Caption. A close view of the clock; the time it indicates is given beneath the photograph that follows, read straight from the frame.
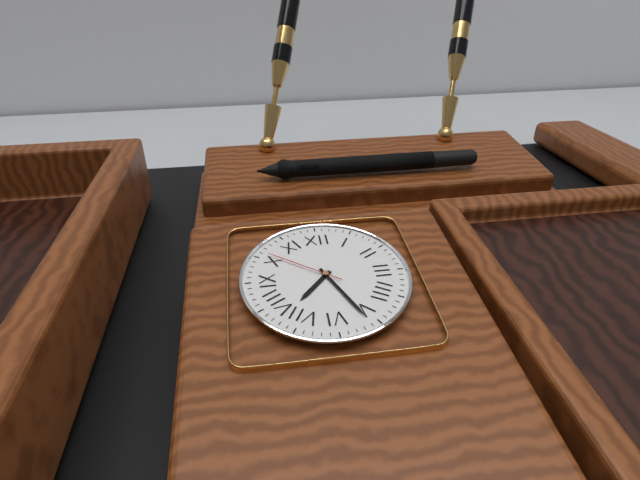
7:26:51
